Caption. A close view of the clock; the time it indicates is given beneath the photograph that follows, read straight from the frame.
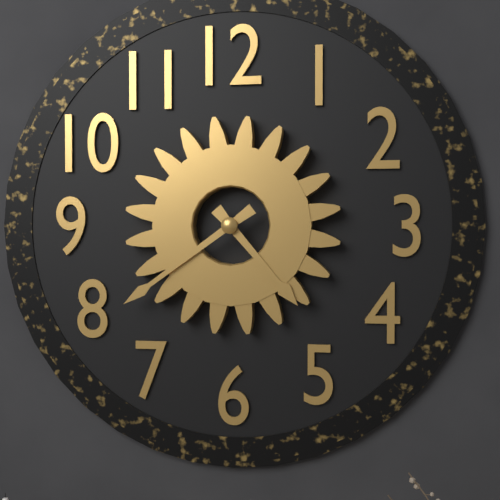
4:39
